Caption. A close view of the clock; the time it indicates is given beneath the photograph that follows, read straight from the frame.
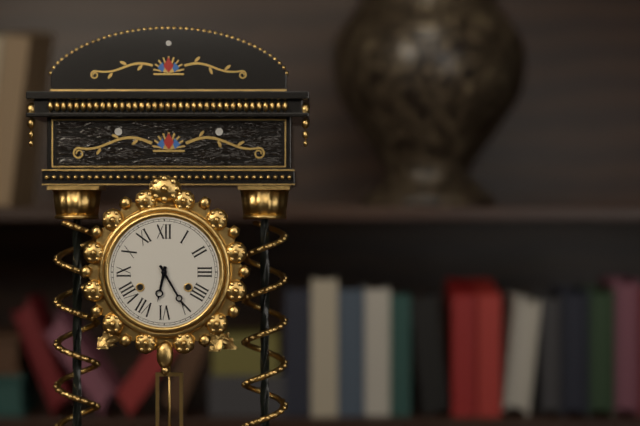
6:25
